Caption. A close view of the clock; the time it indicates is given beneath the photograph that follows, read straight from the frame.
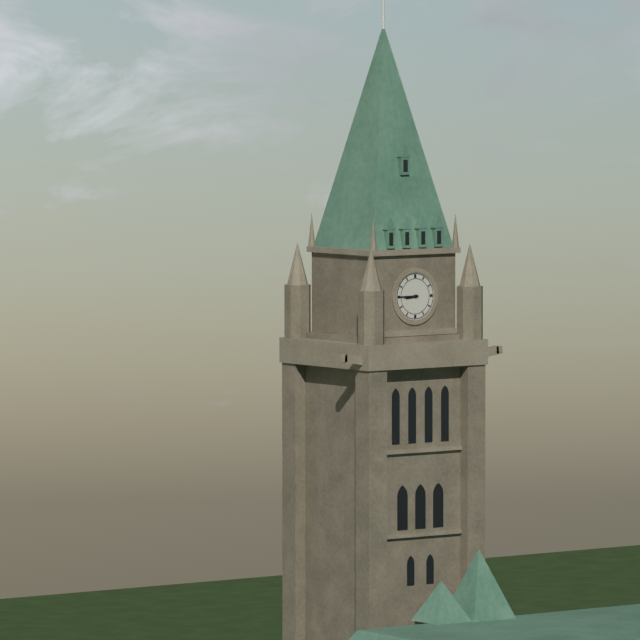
8:45
